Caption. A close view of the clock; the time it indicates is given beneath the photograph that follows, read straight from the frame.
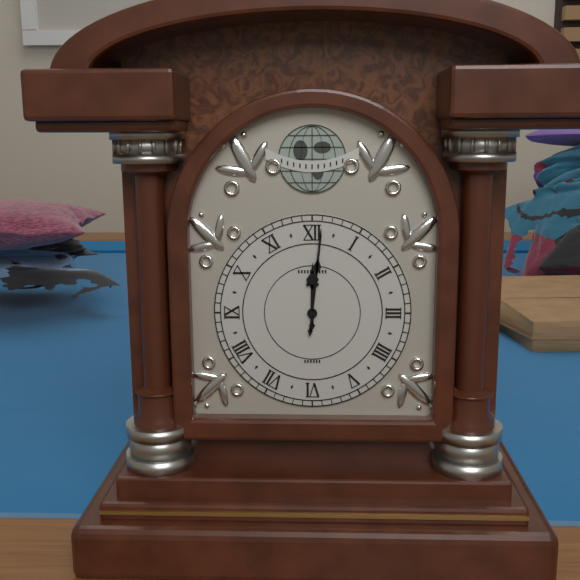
12:01
